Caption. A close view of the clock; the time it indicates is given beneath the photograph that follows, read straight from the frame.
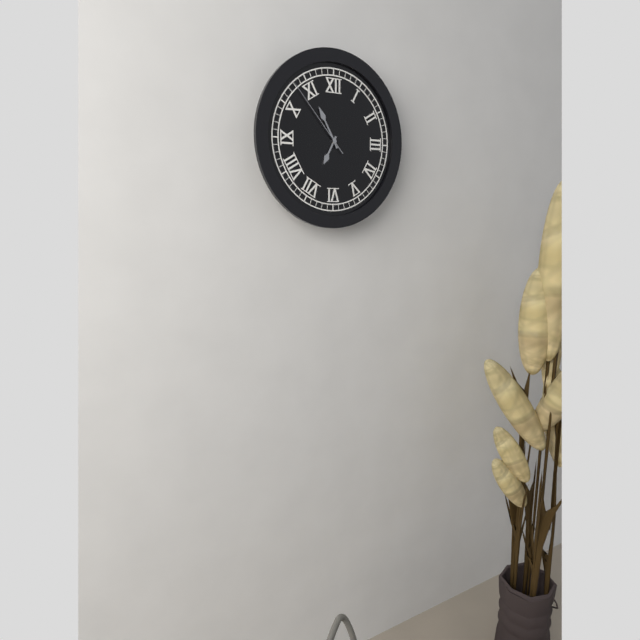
6:55:53
